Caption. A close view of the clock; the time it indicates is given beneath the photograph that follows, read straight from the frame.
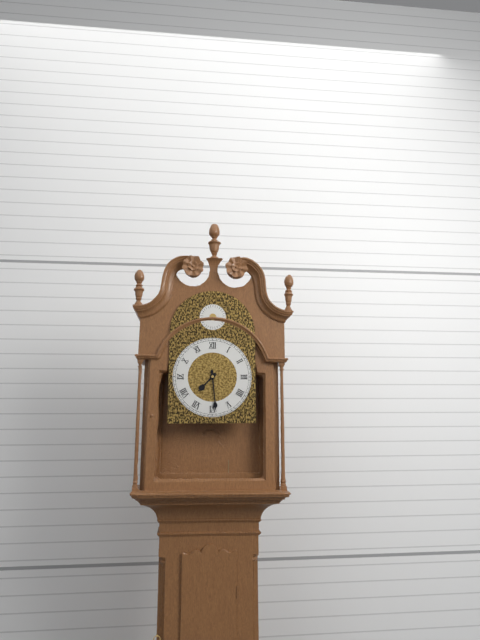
7:29
